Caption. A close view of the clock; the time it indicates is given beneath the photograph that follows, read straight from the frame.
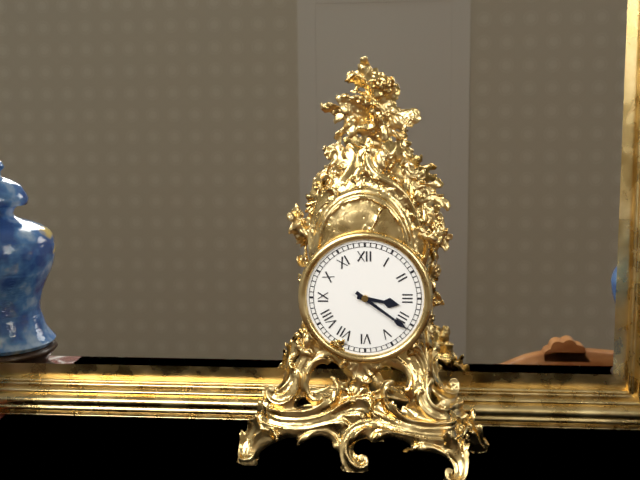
3:21
